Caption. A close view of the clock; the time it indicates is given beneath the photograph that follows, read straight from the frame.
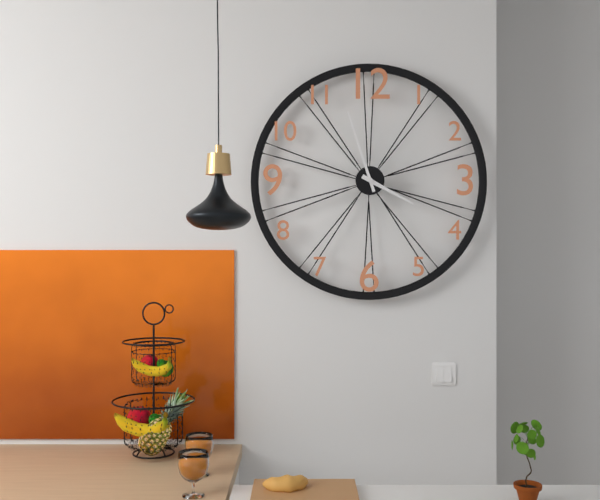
3:57
